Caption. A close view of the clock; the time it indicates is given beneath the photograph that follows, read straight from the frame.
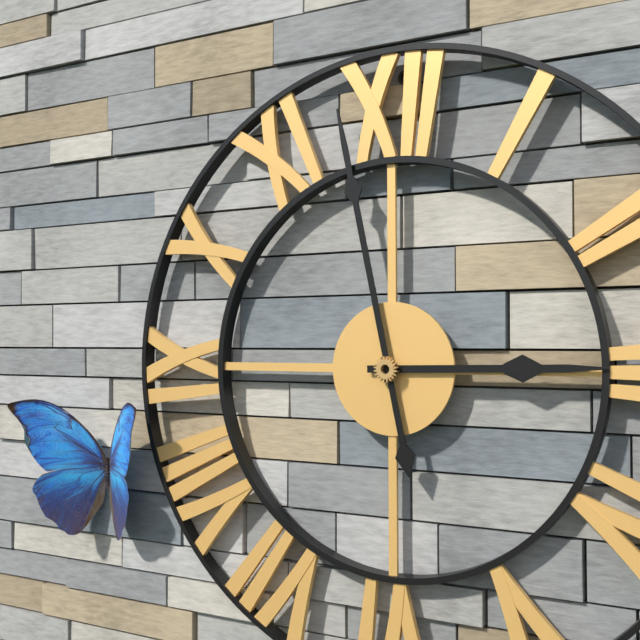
2:58
